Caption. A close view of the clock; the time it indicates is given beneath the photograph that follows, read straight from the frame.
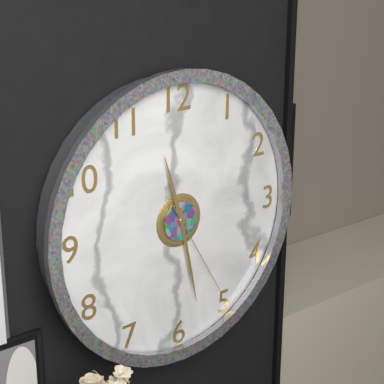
11:28:25
